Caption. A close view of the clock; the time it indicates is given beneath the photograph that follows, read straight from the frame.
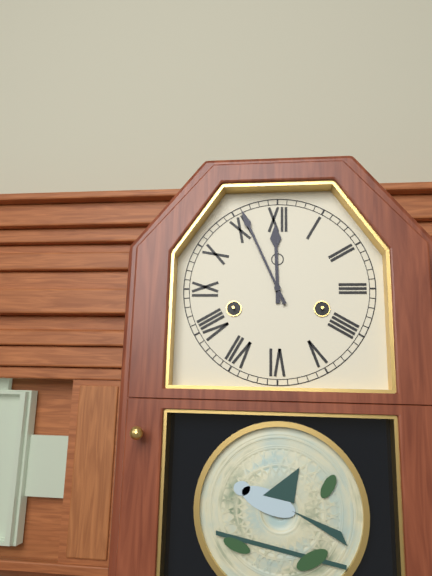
11:56
